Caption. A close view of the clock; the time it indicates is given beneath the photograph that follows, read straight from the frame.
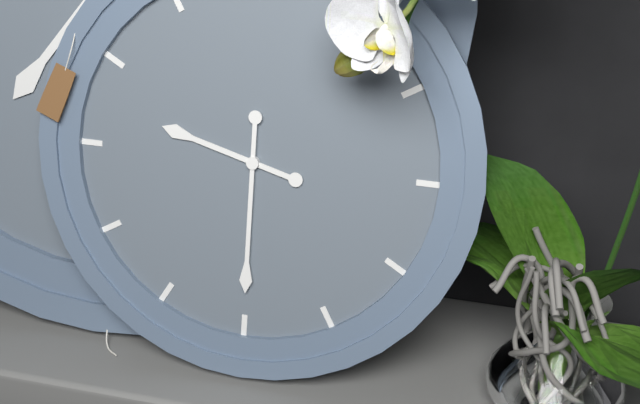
9:30
